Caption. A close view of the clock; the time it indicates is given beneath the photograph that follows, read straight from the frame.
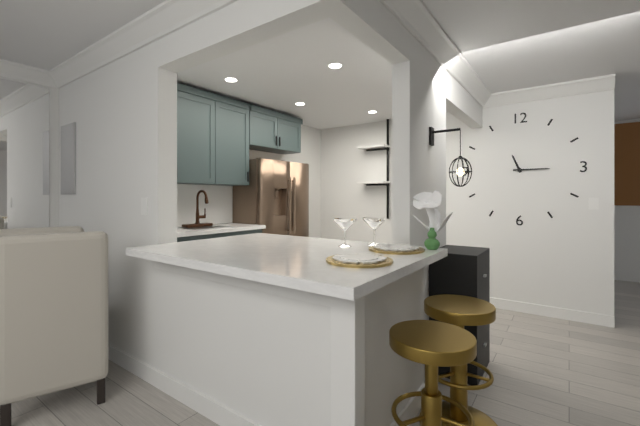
11:15
